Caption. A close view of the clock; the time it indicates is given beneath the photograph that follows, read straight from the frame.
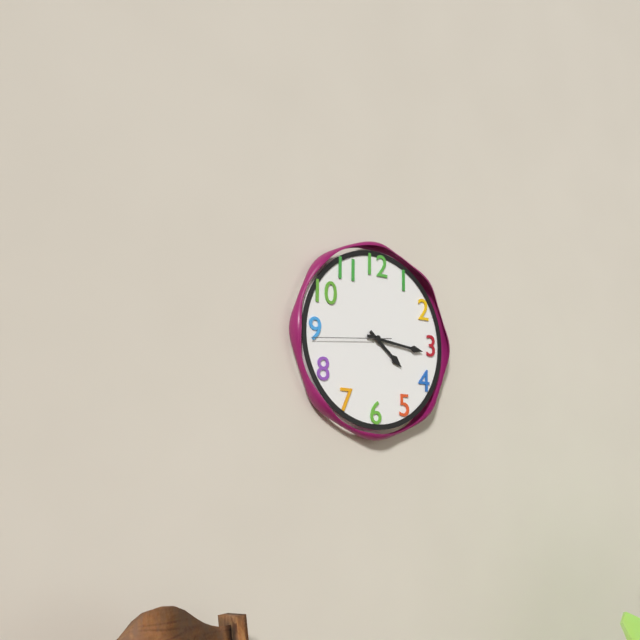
4:16:44
